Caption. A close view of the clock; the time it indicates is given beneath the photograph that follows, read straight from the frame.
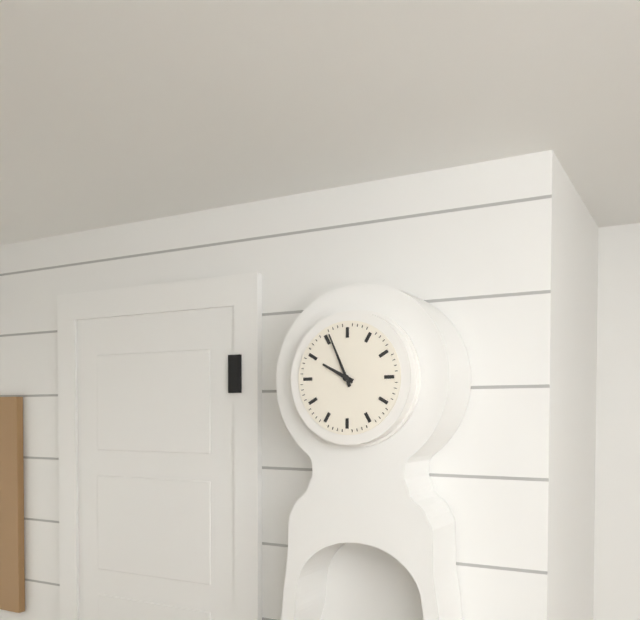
9:56
